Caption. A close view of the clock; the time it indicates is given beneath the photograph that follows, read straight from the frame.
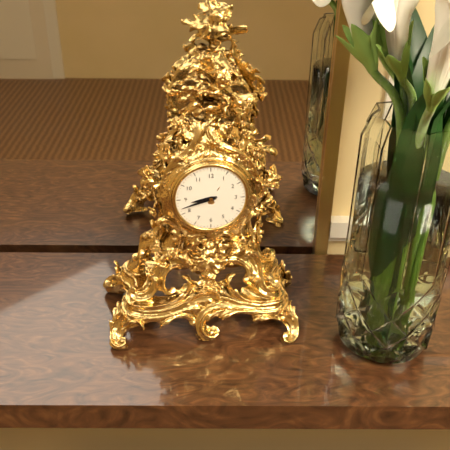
8:42
